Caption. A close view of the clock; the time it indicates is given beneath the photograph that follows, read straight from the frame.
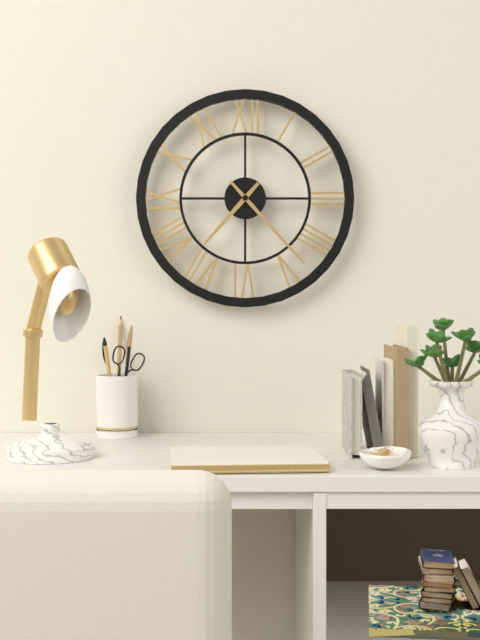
7:23
